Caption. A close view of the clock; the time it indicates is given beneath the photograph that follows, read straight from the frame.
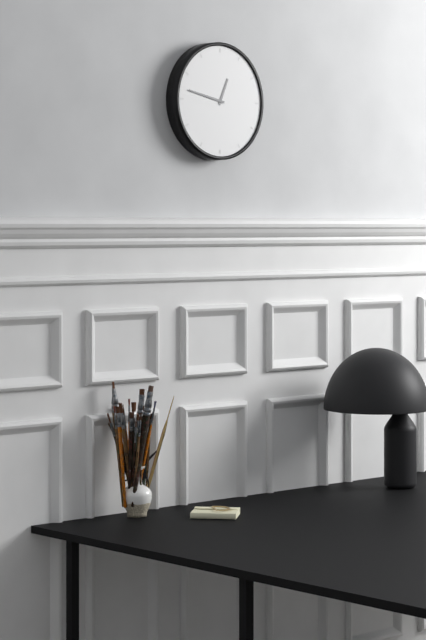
12:47
